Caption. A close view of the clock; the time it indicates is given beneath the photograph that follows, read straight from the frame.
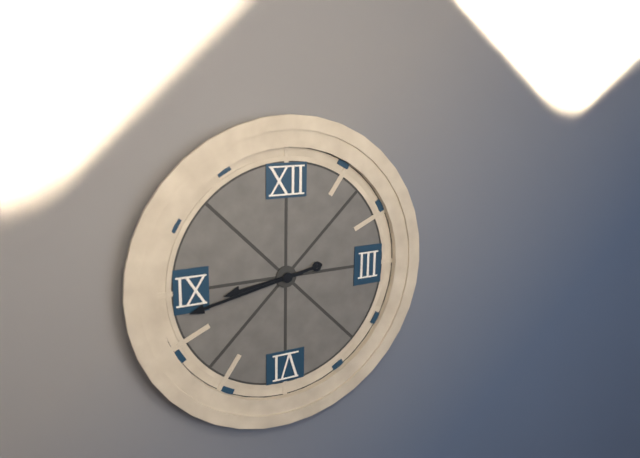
8:43
